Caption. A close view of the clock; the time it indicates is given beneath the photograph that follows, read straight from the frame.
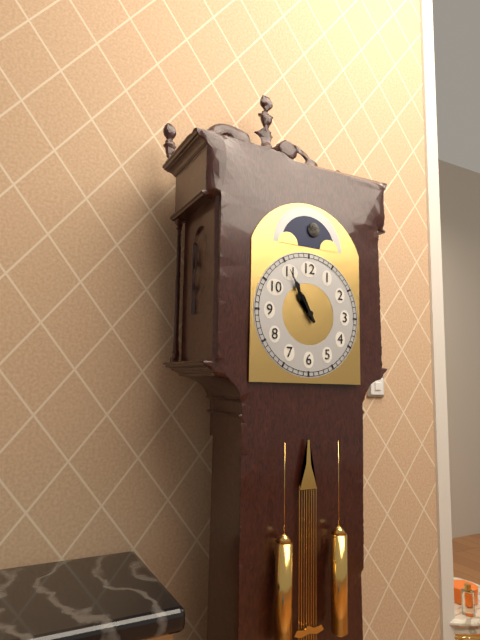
10:55
